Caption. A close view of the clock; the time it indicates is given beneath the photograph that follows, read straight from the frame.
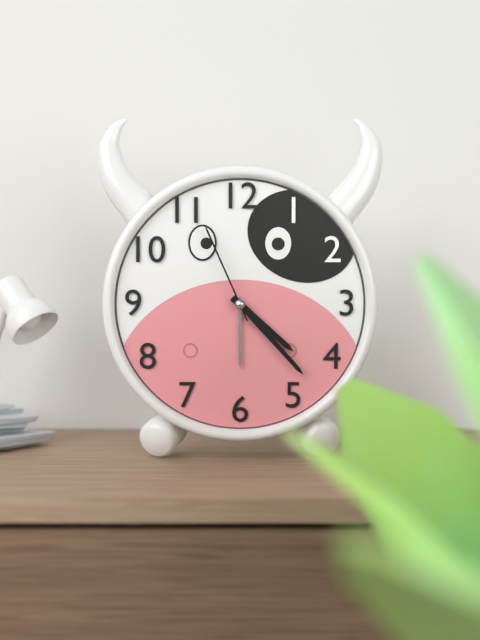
4:23:56
